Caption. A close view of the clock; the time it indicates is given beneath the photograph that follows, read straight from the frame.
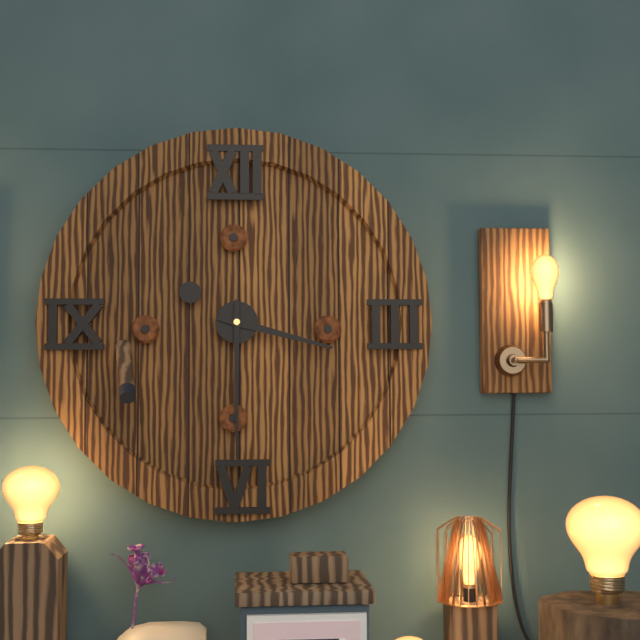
3:30
